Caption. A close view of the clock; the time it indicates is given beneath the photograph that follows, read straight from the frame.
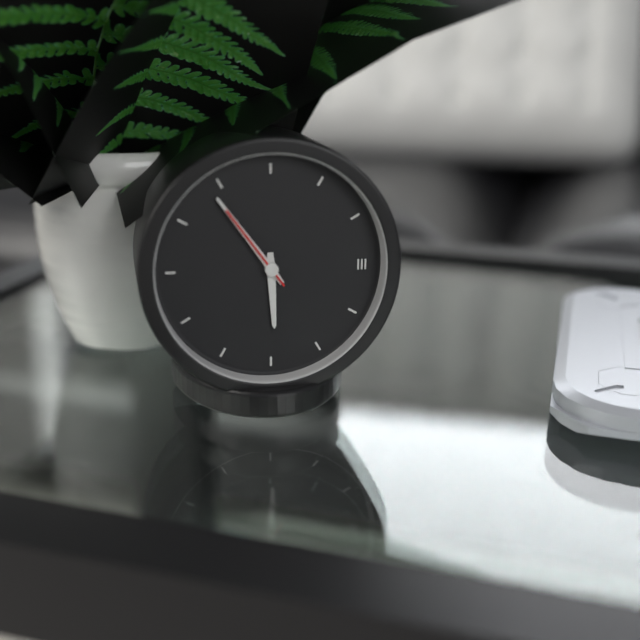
5:54:54
